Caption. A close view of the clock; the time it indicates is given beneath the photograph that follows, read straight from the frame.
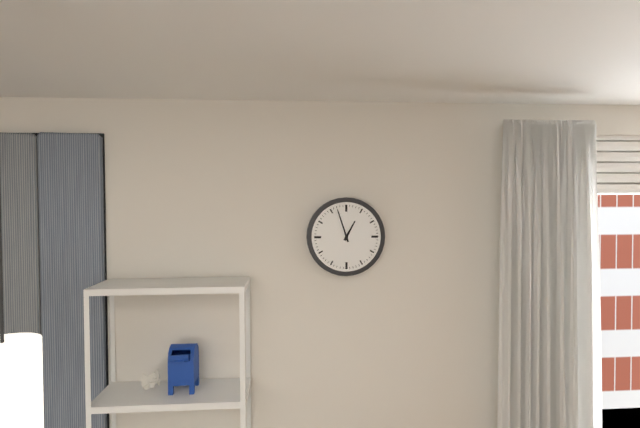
12:57
